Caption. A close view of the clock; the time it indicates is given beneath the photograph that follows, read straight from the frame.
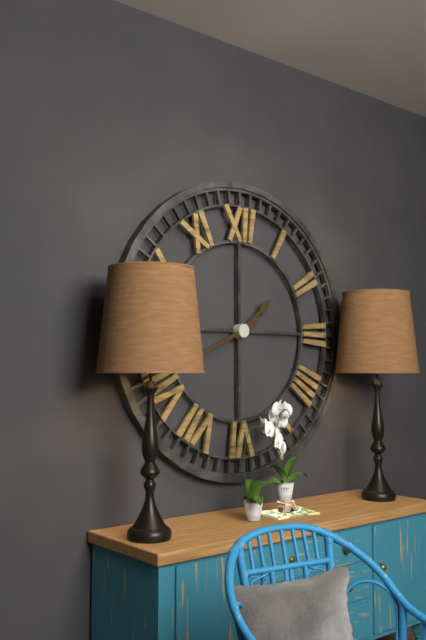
1:41
